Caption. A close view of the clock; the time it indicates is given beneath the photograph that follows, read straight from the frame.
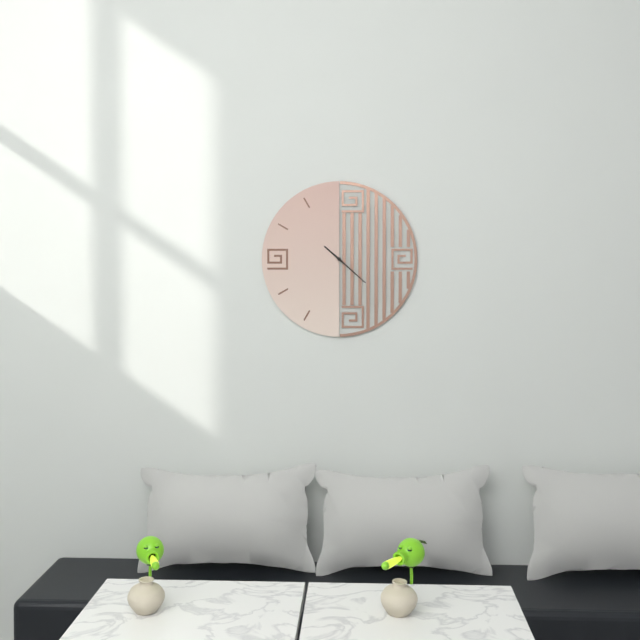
10:22
